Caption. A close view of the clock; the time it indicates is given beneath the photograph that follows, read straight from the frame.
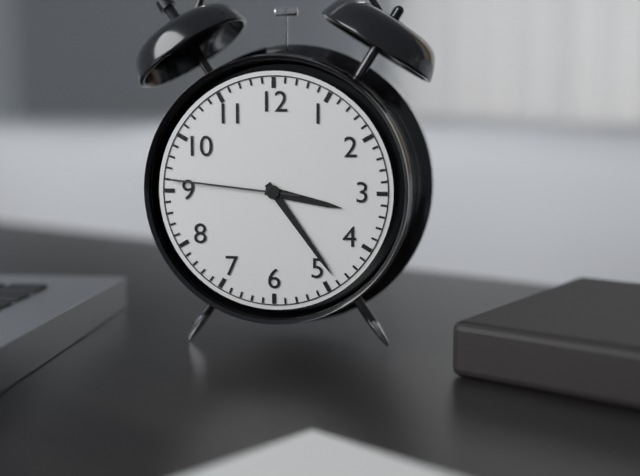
3:24:46
